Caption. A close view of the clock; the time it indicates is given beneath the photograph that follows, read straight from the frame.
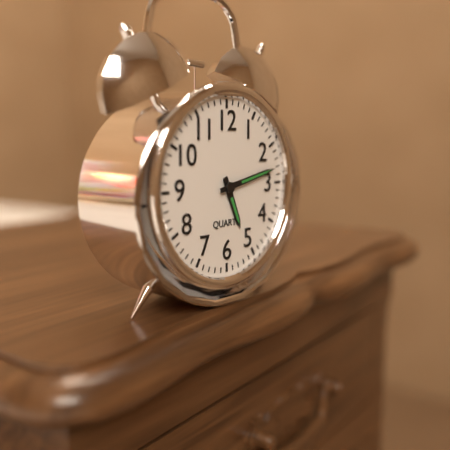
5:13
